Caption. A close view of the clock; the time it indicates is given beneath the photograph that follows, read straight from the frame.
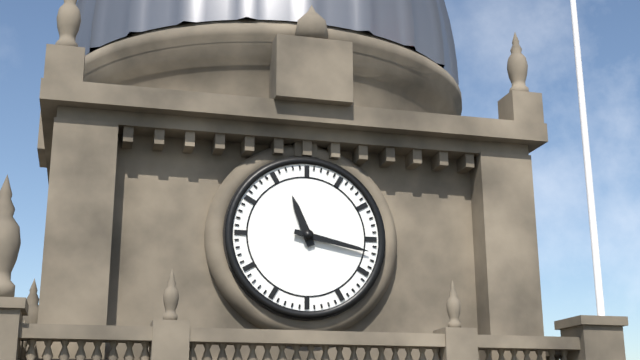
11:17
